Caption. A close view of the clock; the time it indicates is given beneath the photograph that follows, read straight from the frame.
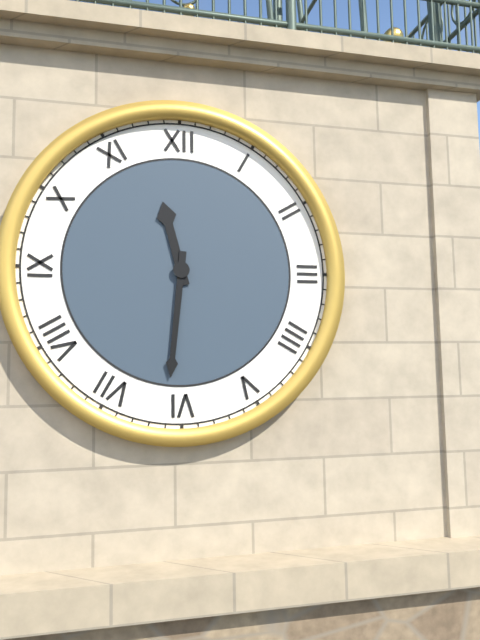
11:31
